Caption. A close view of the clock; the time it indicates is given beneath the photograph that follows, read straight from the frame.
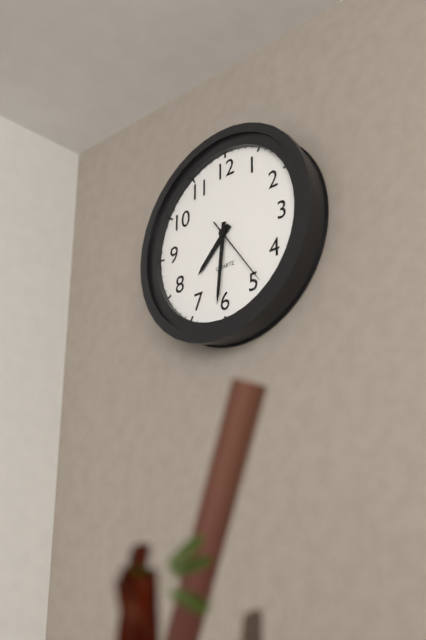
7:31:24
